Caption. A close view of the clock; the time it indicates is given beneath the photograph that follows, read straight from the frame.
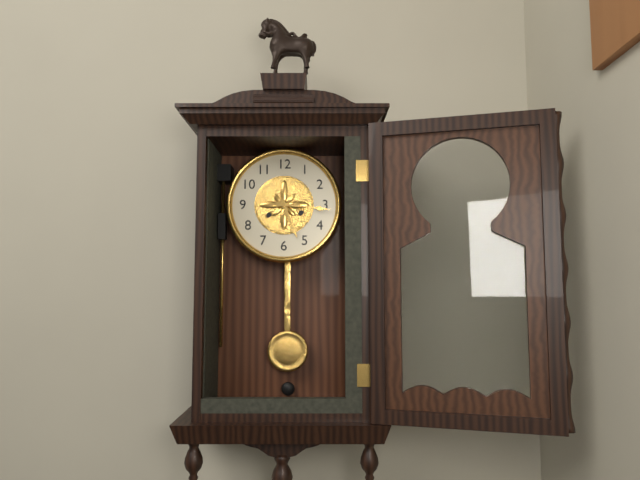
5:16
